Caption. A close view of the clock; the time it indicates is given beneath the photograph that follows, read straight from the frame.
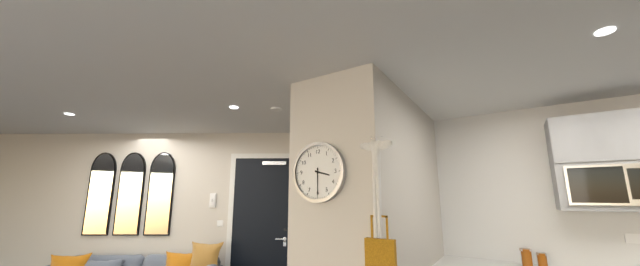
3:30
